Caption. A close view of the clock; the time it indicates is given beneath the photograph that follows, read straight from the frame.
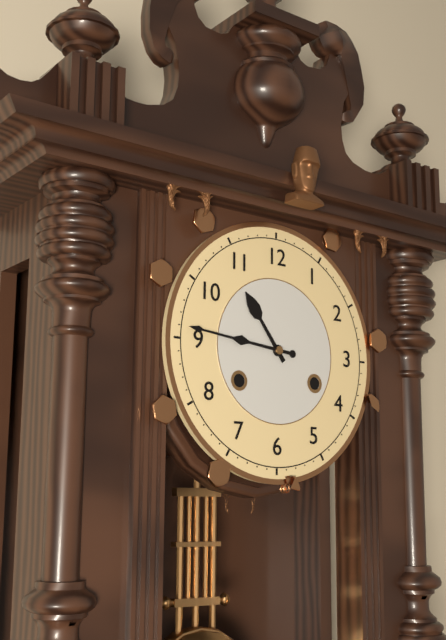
10:46
